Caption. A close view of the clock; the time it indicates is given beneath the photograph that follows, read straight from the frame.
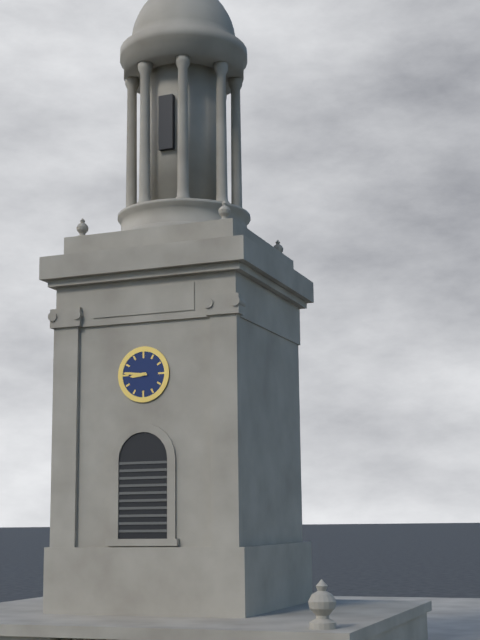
8:46
